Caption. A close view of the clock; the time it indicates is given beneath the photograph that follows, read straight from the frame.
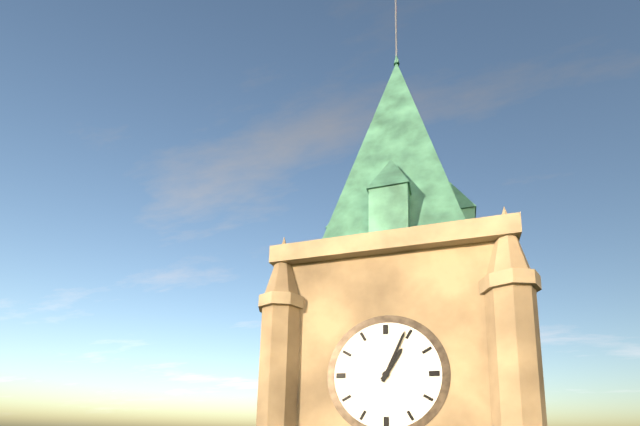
1:04
